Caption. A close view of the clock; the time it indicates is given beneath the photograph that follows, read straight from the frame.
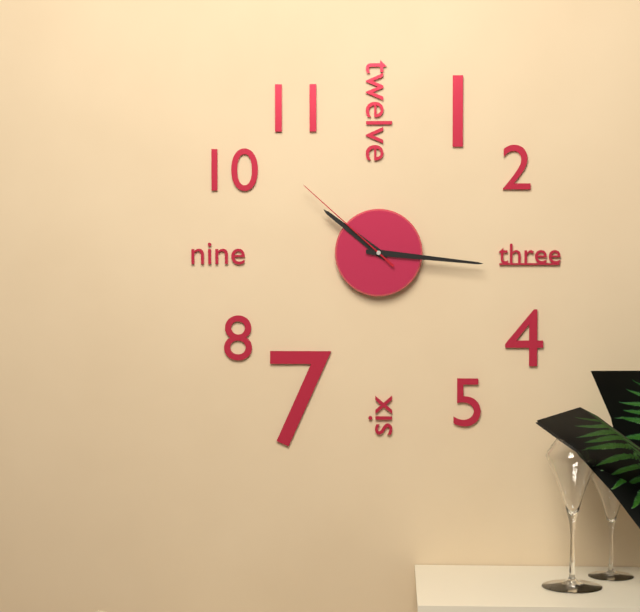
10:16:52
